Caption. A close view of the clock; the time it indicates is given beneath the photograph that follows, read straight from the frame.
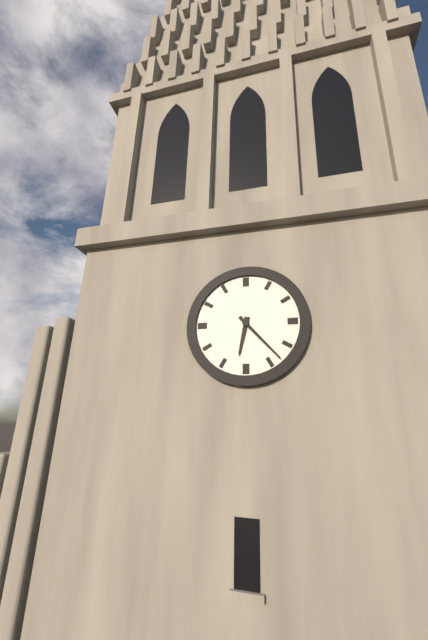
6:23
